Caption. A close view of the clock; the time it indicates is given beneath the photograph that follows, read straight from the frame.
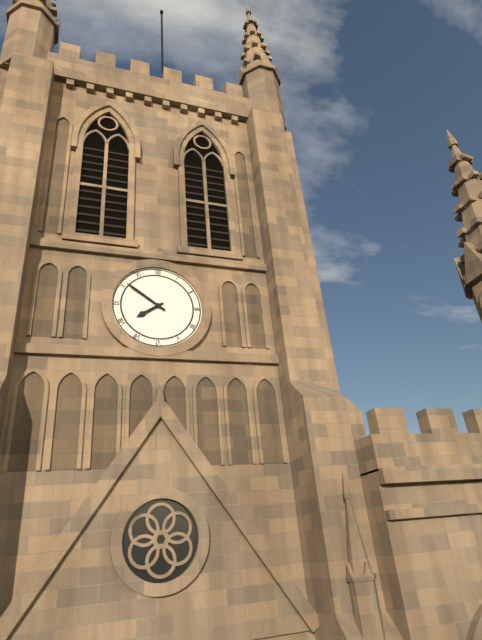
7:51
